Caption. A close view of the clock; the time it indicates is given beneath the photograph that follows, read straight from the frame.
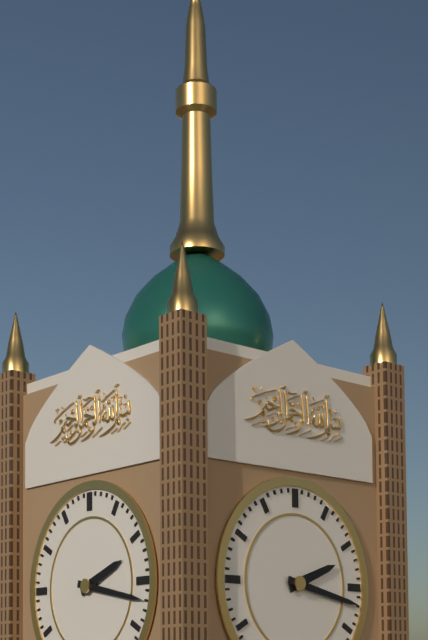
2:17
